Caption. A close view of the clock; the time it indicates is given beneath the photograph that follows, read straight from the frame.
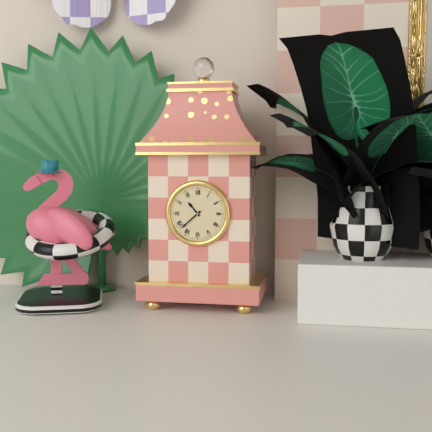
10:38
